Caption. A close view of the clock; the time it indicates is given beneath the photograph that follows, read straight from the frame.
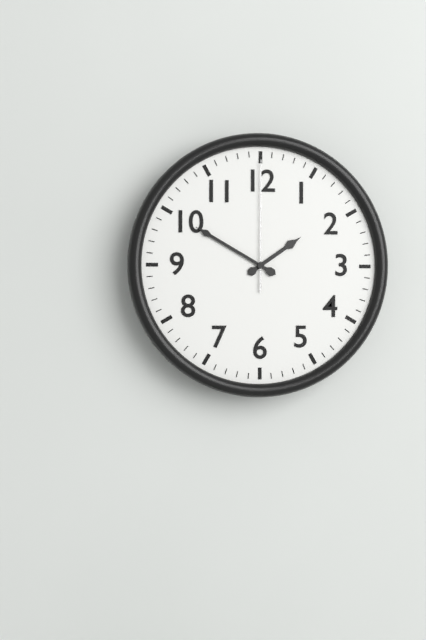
1:50:00
